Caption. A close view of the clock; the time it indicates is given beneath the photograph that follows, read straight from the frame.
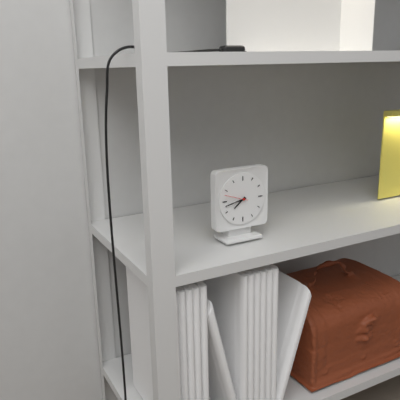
7:43
